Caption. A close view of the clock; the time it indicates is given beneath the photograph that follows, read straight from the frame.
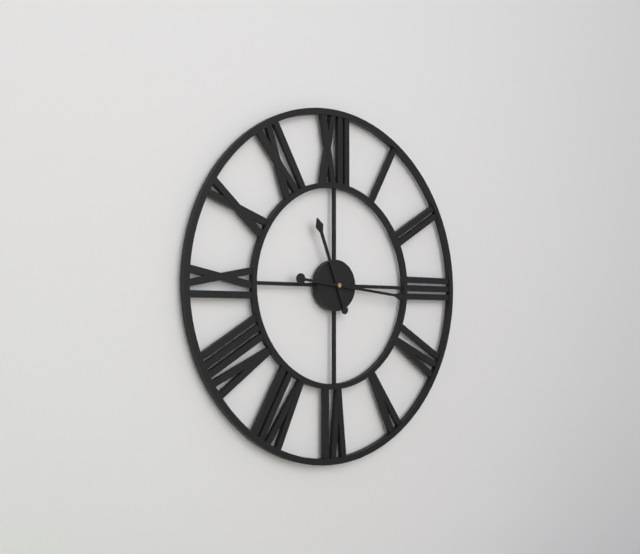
11:16
